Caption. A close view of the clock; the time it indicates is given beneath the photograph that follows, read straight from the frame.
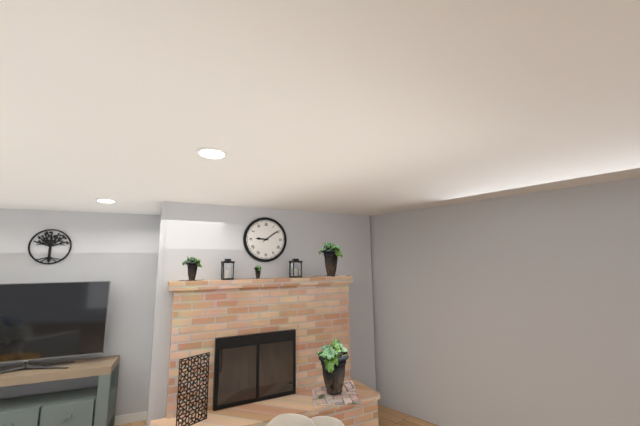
9:09
